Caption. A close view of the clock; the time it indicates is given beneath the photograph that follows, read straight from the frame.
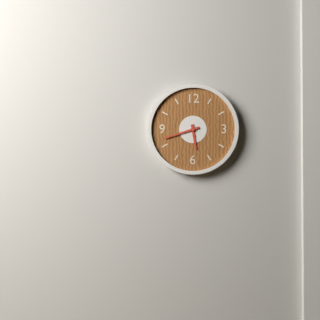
5:42
